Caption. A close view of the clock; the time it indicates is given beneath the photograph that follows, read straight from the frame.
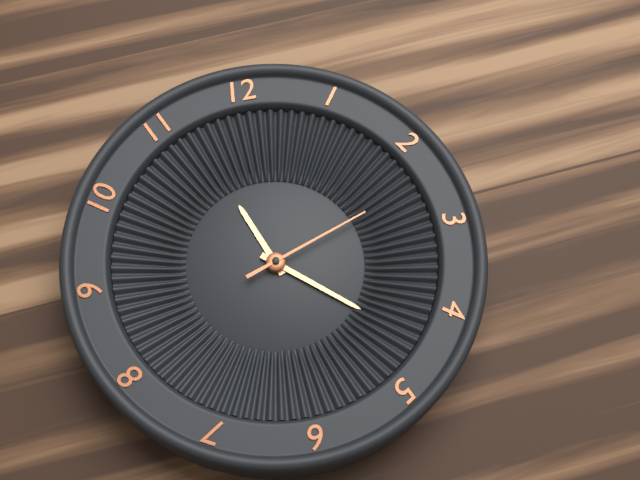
11:22:12
